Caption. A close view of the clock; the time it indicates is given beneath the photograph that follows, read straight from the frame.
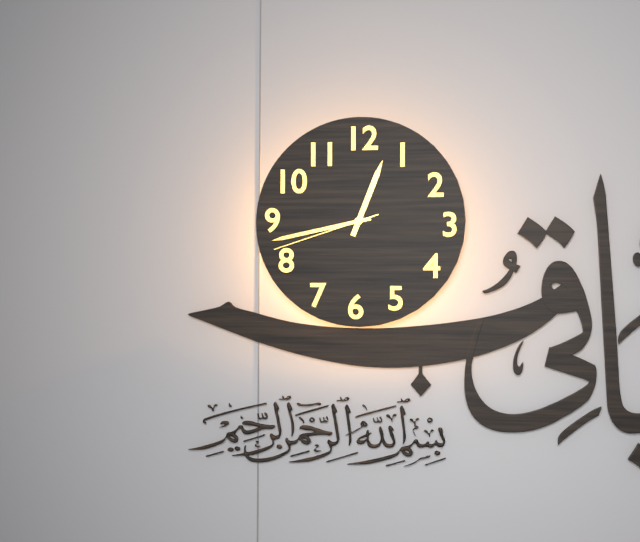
12:43:42
